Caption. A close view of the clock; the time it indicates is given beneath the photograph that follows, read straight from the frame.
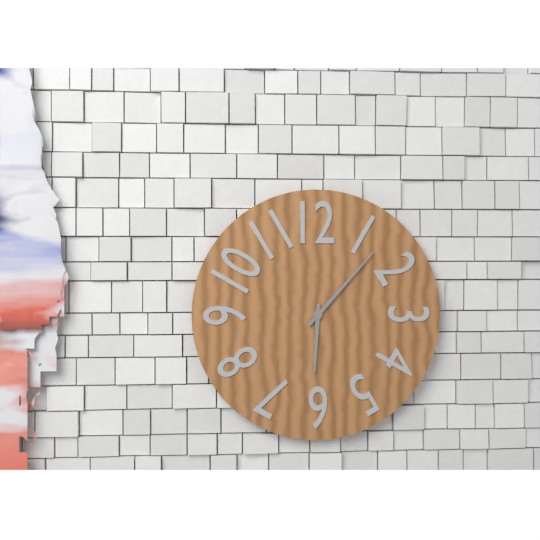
6:07
